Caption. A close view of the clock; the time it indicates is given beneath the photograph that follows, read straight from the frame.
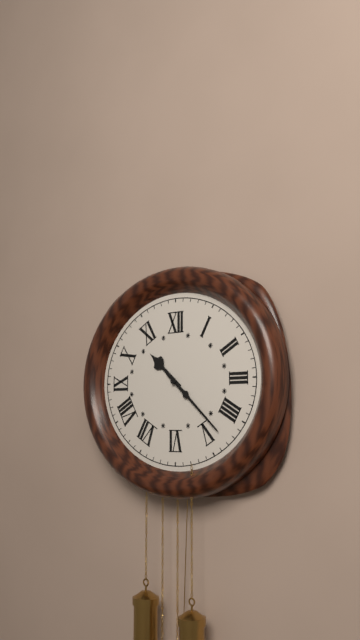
10:22
